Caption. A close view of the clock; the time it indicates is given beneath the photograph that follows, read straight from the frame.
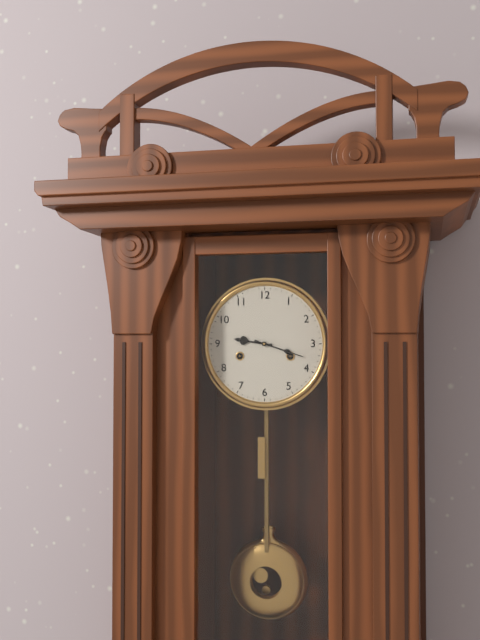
9:18
